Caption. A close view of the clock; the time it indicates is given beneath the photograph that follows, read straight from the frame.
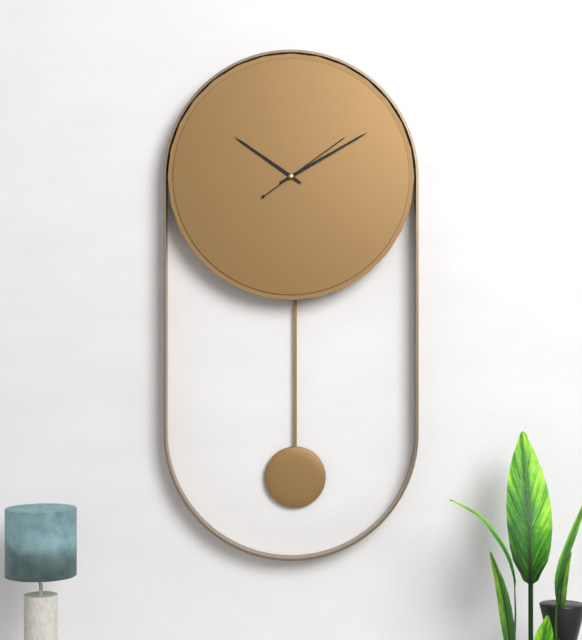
10:10:09
